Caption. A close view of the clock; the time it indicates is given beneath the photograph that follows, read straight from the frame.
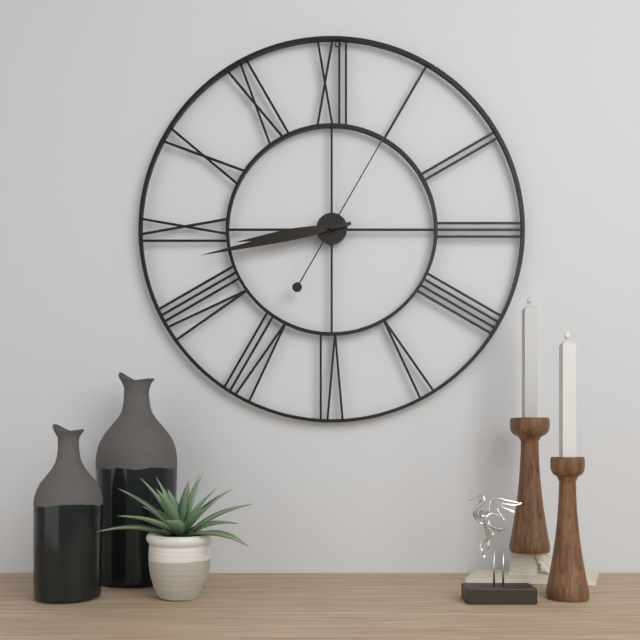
8:43:05
